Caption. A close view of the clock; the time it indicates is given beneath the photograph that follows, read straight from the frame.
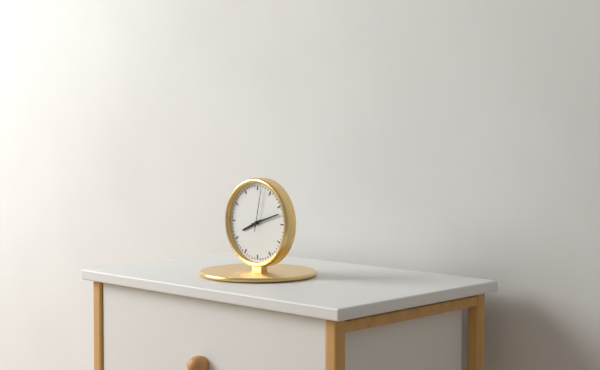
8:12
